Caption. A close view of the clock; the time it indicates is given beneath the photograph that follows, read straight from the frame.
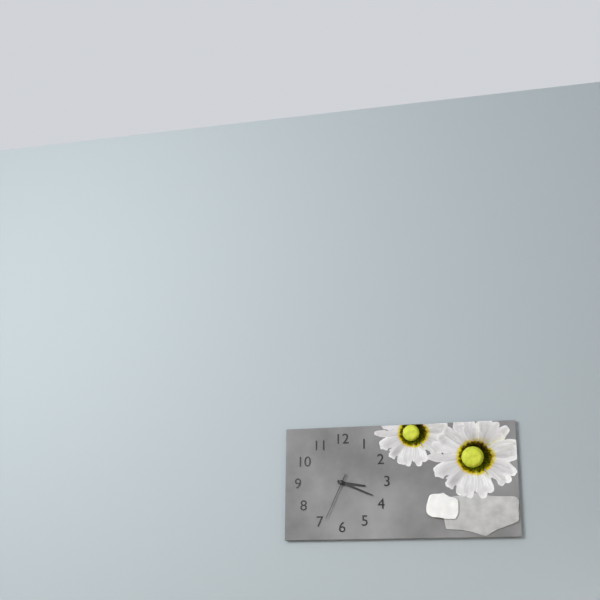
3:19
